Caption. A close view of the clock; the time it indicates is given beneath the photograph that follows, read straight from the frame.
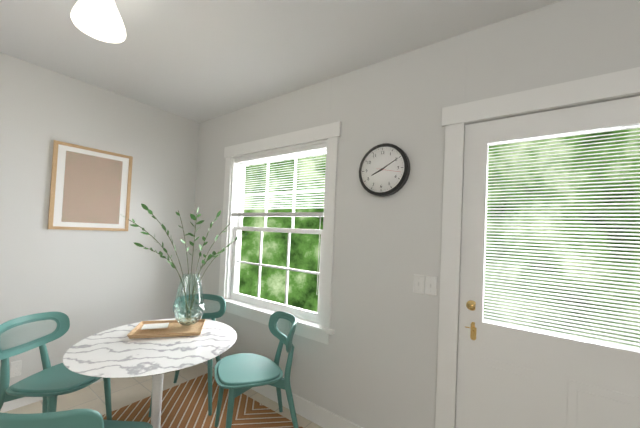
8:10
